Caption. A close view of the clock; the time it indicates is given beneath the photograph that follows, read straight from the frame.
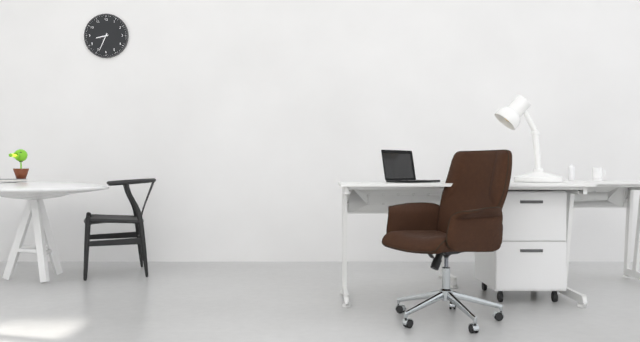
8:34
